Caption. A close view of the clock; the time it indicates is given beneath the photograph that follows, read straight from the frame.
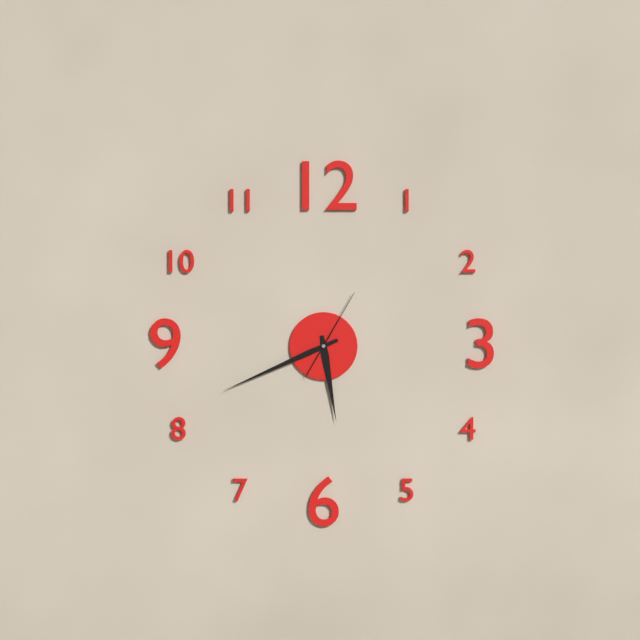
5:41:05
